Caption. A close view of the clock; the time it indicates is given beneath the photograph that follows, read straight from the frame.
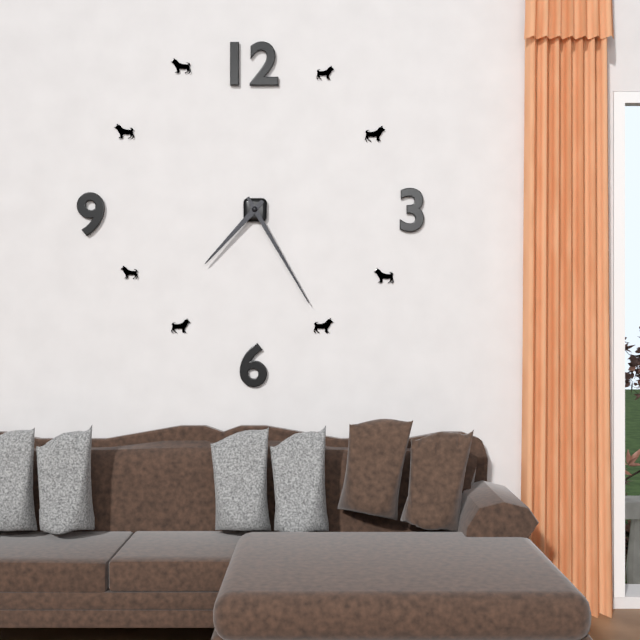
7:25
